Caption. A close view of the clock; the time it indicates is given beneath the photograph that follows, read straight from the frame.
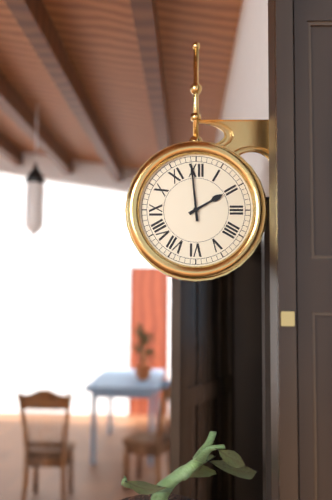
1:59
